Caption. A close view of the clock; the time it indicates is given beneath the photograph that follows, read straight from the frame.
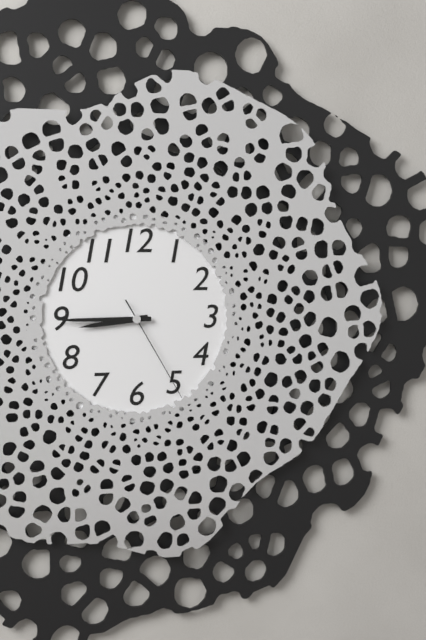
8:45:25
